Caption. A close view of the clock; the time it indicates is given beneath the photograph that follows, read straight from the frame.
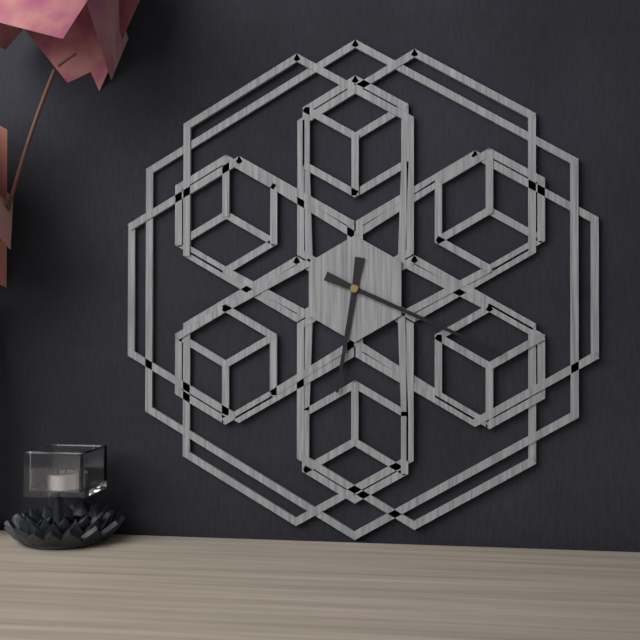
6:19
